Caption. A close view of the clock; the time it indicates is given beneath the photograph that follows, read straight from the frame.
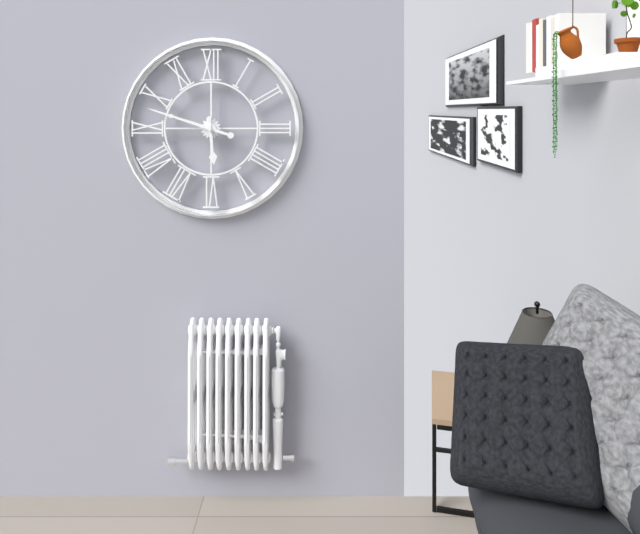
5:48
